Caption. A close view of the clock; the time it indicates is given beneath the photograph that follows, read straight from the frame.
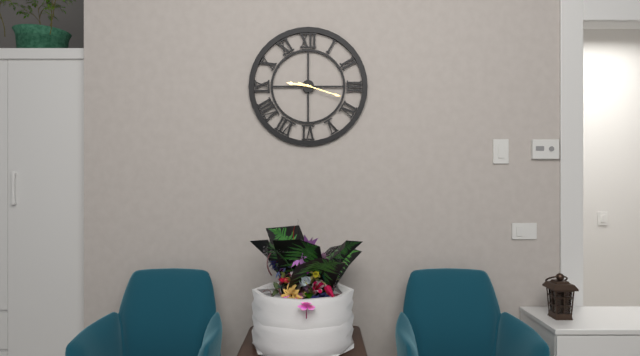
9:18
